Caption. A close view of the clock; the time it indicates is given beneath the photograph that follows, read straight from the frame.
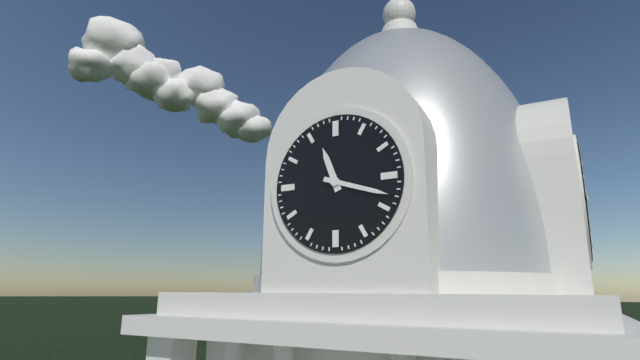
11:18
